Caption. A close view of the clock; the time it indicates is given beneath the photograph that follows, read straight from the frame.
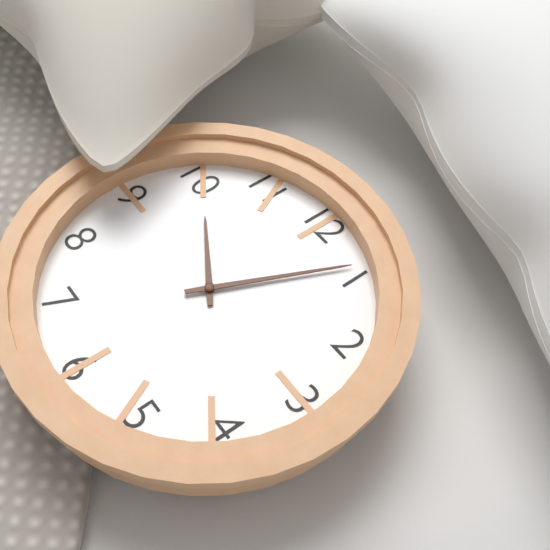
10:04
